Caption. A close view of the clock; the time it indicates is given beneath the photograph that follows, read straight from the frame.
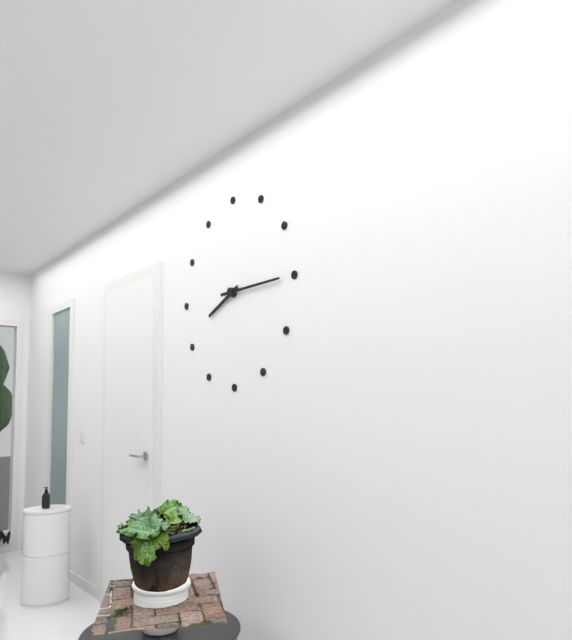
8:15
